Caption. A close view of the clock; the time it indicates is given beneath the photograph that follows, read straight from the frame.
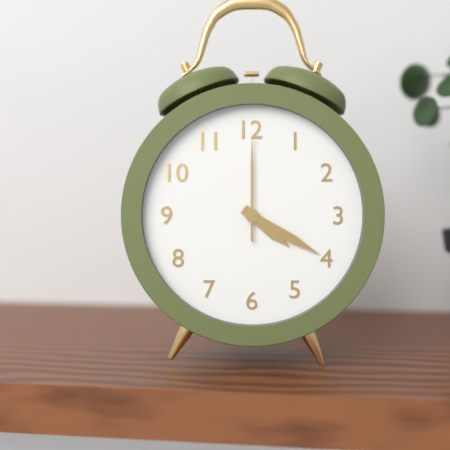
4:20:00
